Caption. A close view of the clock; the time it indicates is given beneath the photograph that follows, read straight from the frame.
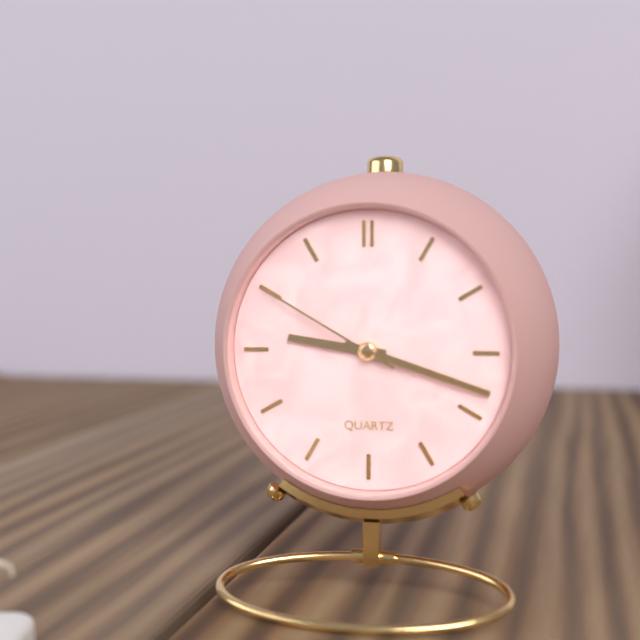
9:18:50
